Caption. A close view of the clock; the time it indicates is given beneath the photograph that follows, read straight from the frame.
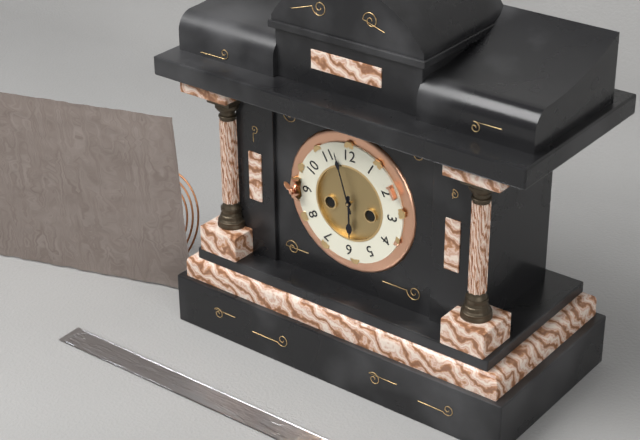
5:57
